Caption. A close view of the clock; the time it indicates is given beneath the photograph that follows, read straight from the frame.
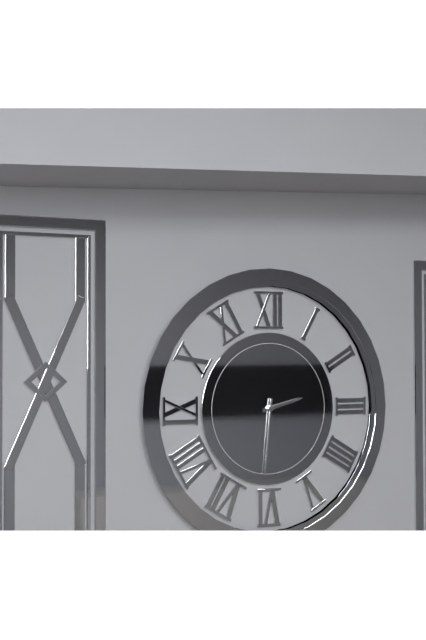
2:31
